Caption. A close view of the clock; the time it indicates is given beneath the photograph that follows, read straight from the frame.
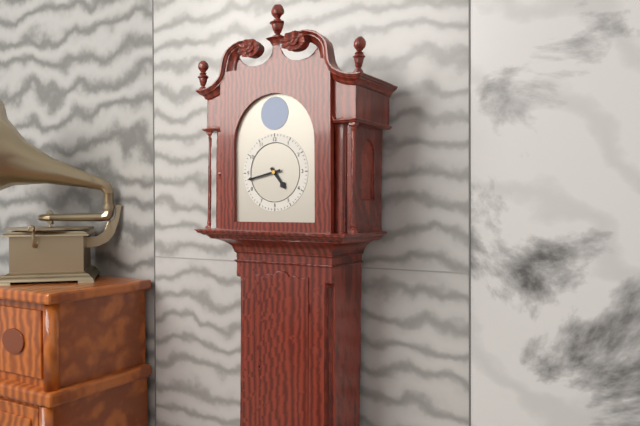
4:43
